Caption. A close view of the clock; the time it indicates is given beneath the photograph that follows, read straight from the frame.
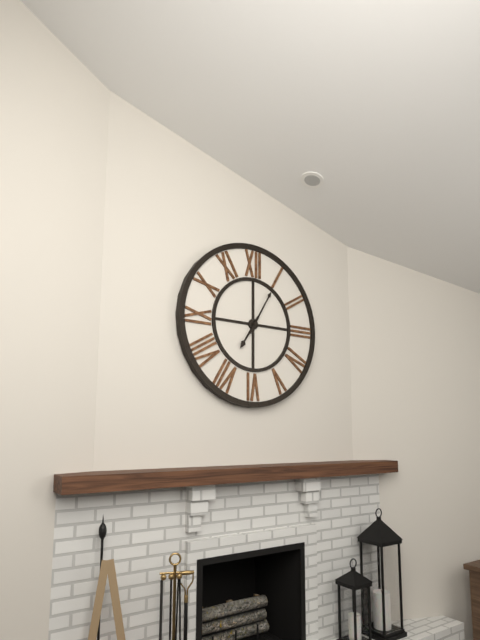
7:05
